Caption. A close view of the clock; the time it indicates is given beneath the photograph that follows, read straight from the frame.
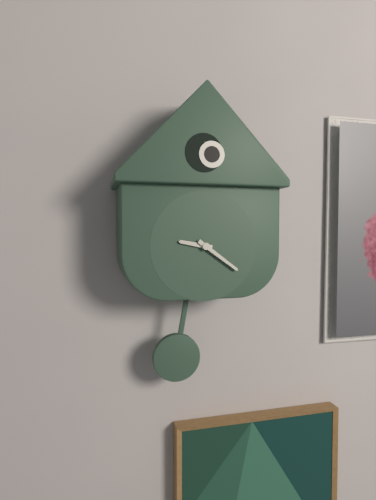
9:21
